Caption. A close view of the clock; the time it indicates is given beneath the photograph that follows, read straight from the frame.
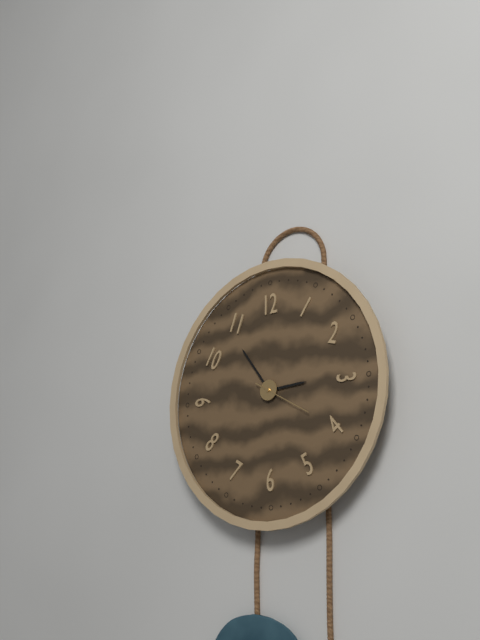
2:54:20
